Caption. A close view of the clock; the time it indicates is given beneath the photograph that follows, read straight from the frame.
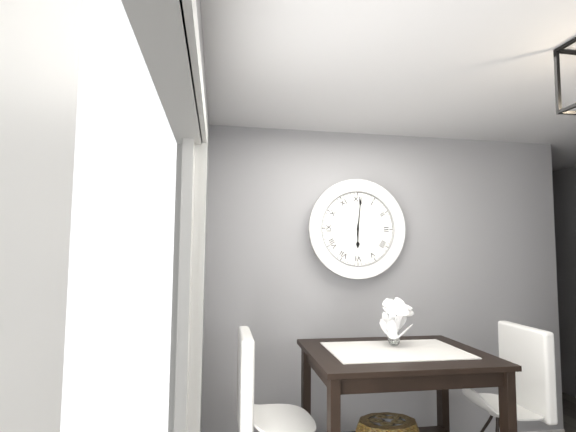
6:01
